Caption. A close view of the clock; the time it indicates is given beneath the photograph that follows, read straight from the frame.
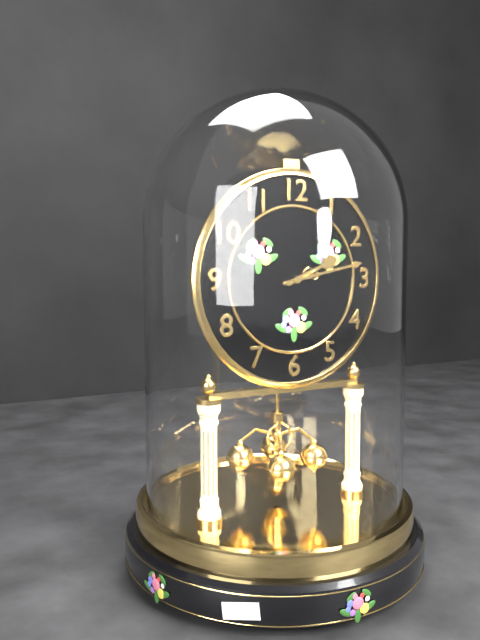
2:13
